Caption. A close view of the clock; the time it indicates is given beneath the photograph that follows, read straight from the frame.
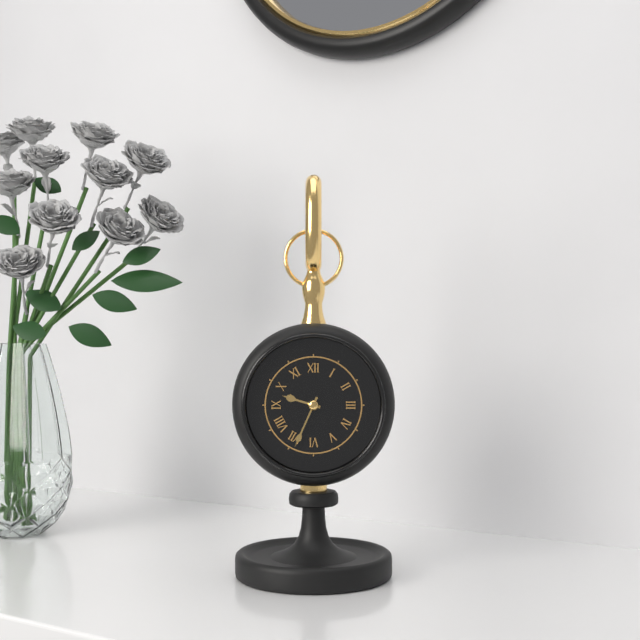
9:34
